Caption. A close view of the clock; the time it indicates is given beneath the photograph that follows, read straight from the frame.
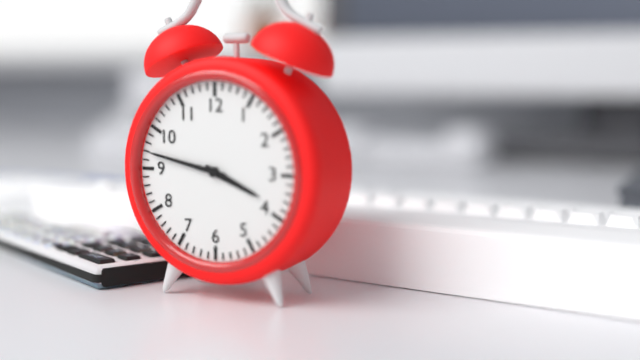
3:47
